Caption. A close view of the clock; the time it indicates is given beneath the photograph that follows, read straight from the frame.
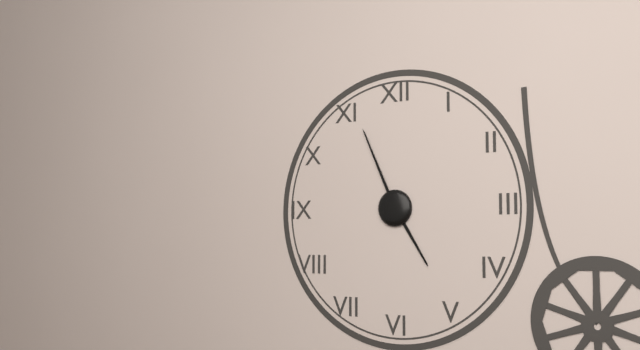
4:56
